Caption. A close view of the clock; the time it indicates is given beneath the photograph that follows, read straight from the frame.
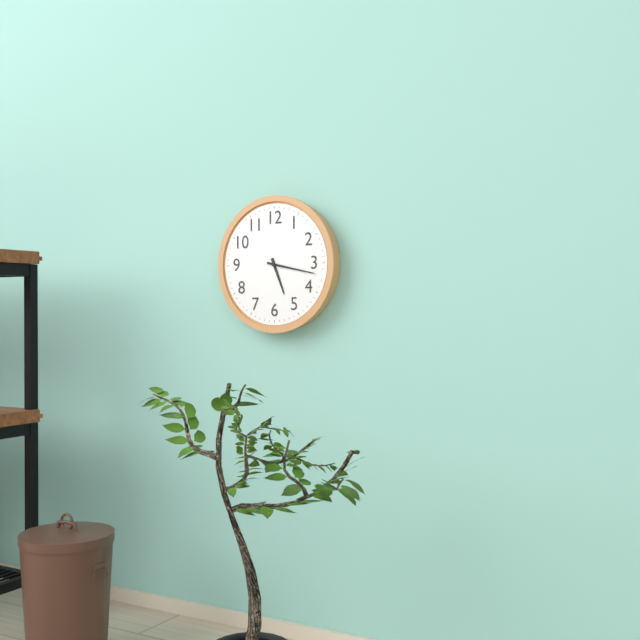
5:17
